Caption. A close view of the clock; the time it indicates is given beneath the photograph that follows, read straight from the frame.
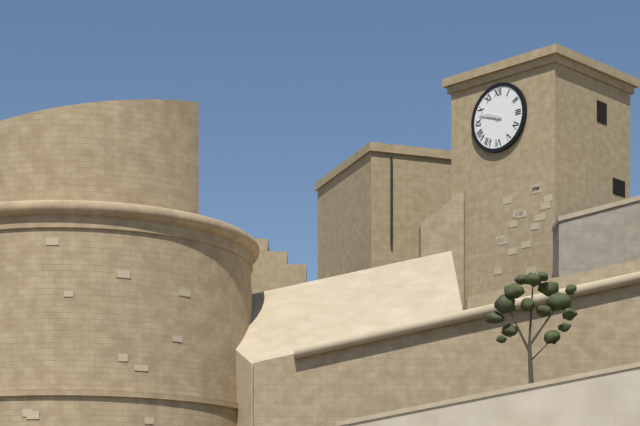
9:48
